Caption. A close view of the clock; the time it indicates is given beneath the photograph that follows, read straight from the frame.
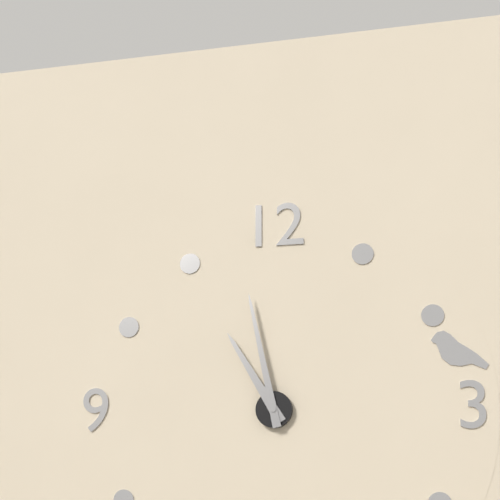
10:58
